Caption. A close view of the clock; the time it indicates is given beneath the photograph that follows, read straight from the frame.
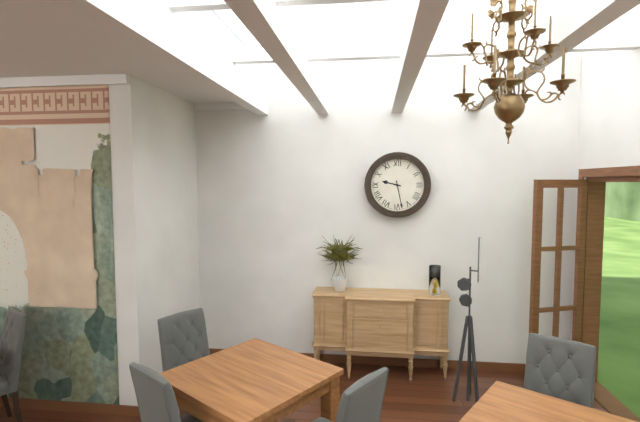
9:28
